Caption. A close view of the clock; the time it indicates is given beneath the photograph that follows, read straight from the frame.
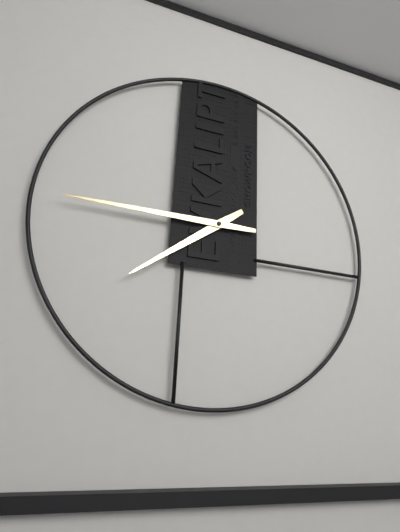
7:45
